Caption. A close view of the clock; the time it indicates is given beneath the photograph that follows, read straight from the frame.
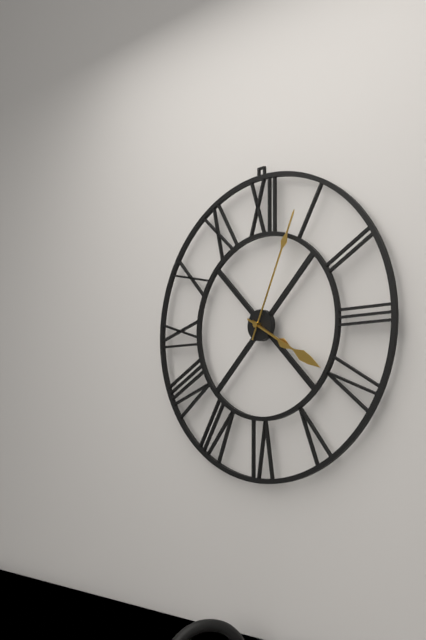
4:04:20
